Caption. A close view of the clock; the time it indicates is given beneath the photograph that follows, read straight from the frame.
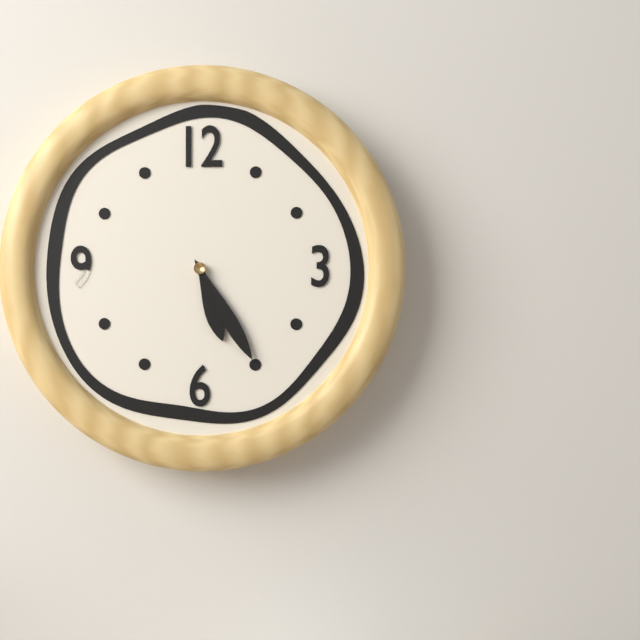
5:25
